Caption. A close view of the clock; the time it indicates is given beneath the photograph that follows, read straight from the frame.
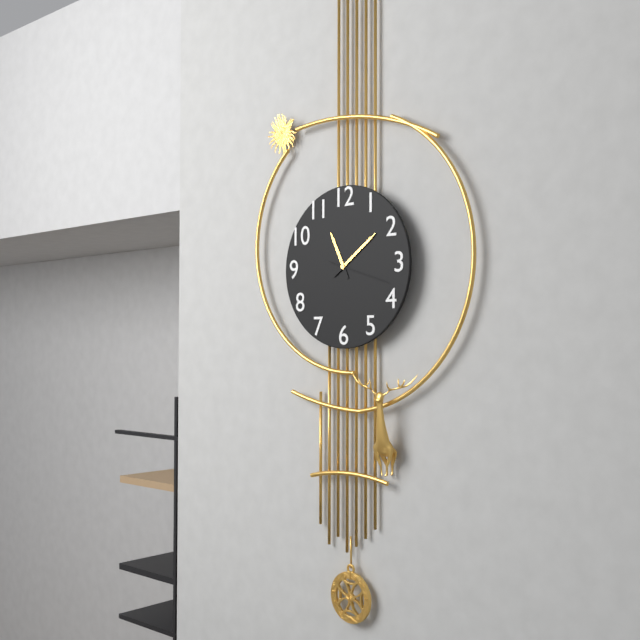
11:09:18
